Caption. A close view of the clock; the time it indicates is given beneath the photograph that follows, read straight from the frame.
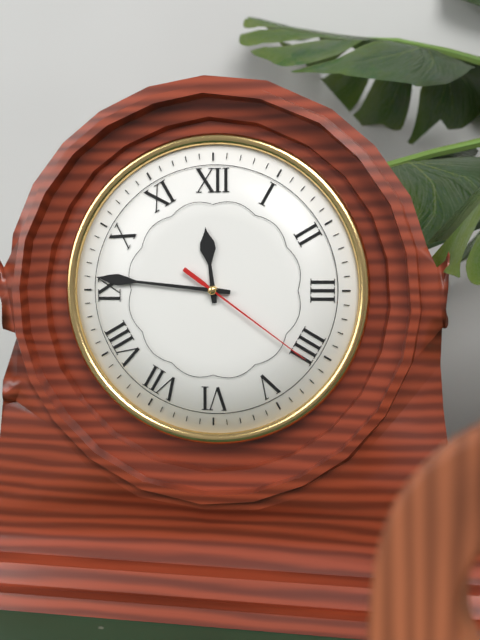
11:46:21
